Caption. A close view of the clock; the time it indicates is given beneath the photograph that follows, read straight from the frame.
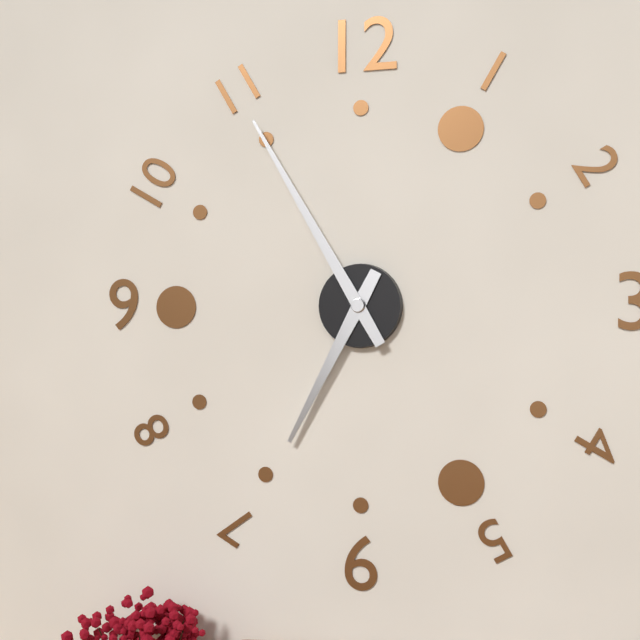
6:55
